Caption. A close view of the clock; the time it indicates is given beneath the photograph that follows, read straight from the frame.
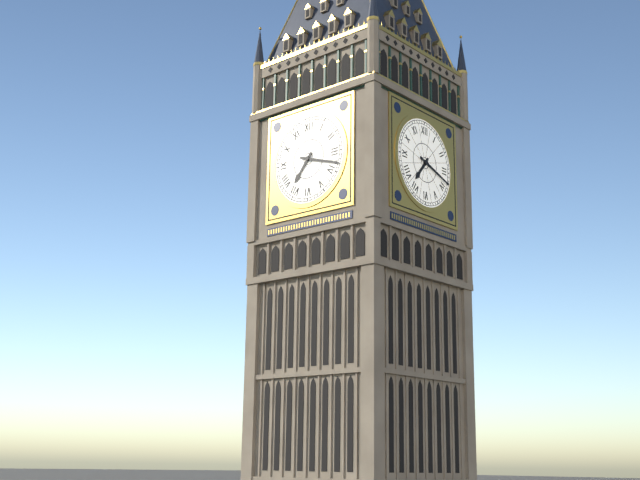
7:18
